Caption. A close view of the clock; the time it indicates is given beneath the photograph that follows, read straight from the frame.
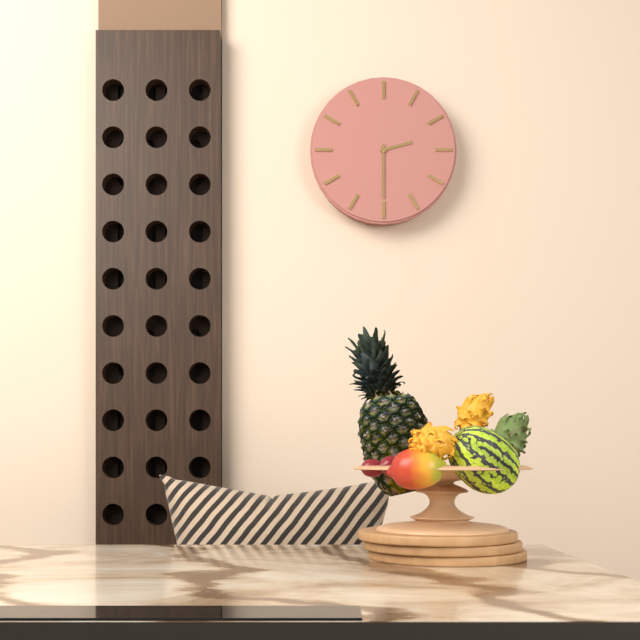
2:30
